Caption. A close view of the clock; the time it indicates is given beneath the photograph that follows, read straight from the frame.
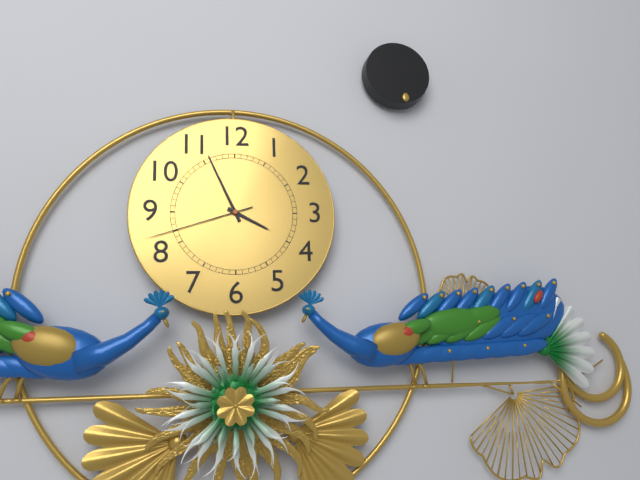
3:56:42
